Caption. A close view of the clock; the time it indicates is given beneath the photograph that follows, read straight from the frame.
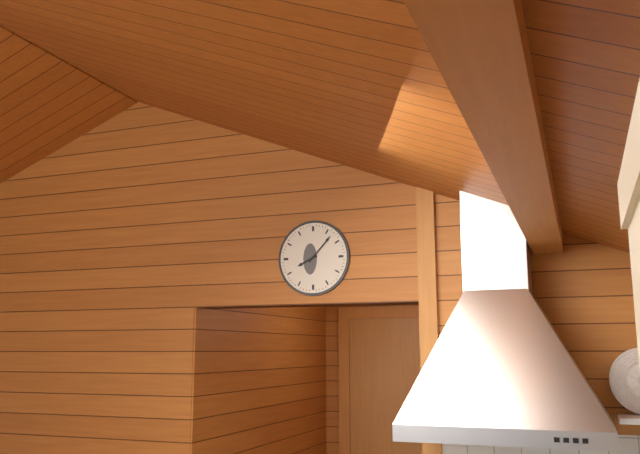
8:07
